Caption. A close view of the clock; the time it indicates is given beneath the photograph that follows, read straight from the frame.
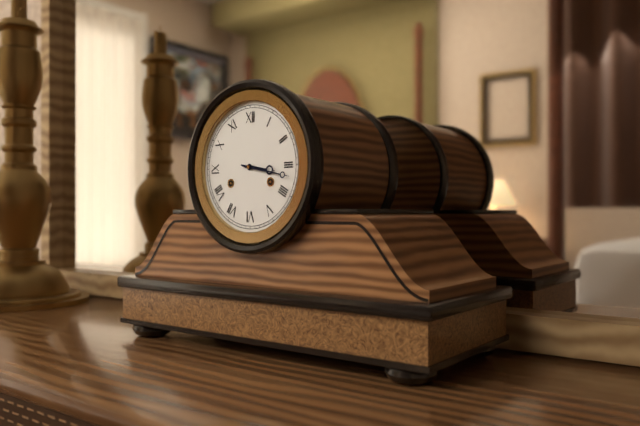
3:17
